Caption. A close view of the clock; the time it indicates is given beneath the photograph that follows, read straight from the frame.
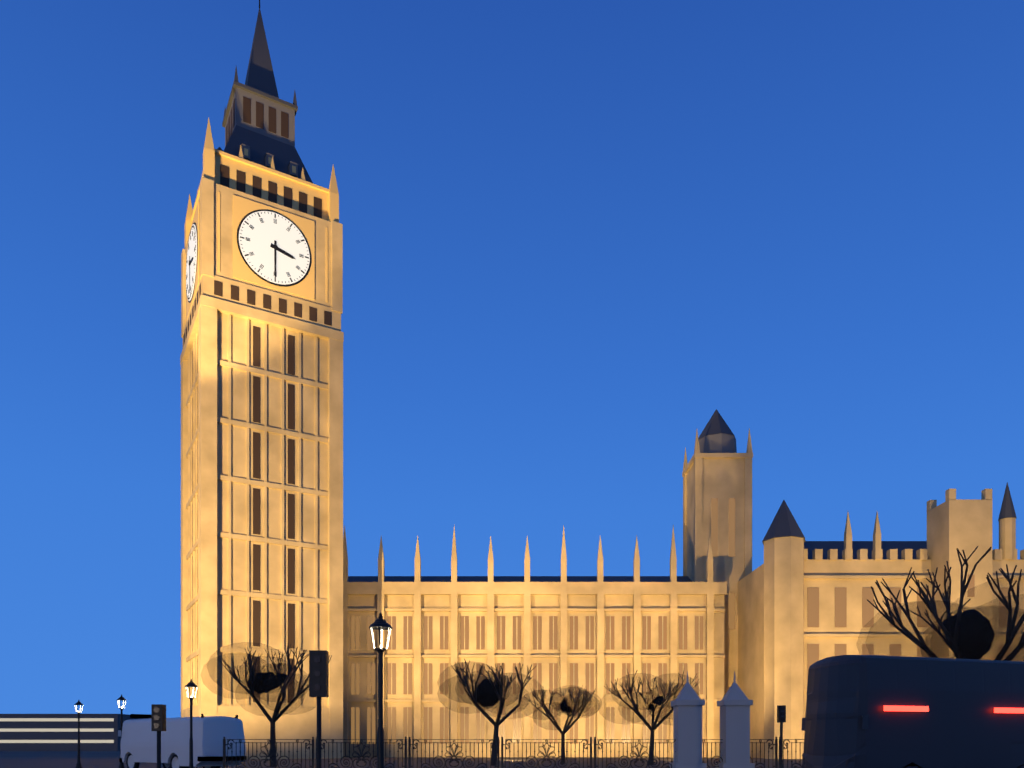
3:30
